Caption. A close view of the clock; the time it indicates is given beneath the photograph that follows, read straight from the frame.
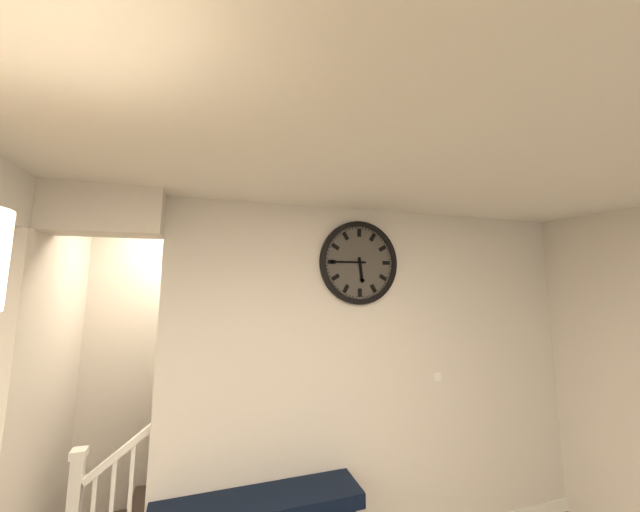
5:45
